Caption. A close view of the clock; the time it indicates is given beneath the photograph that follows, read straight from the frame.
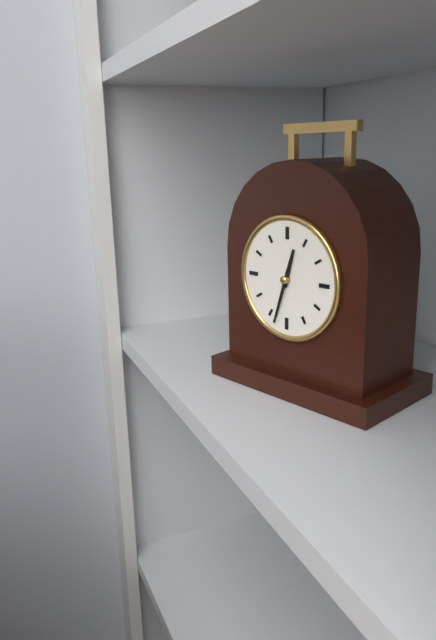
12:33
